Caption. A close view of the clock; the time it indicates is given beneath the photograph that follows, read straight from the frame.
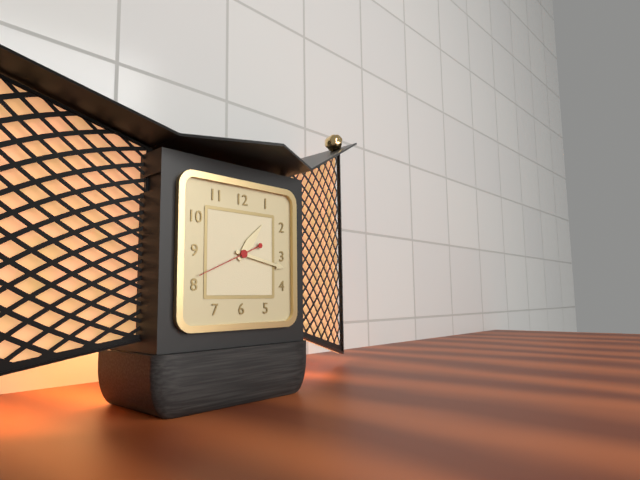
1:17:41
